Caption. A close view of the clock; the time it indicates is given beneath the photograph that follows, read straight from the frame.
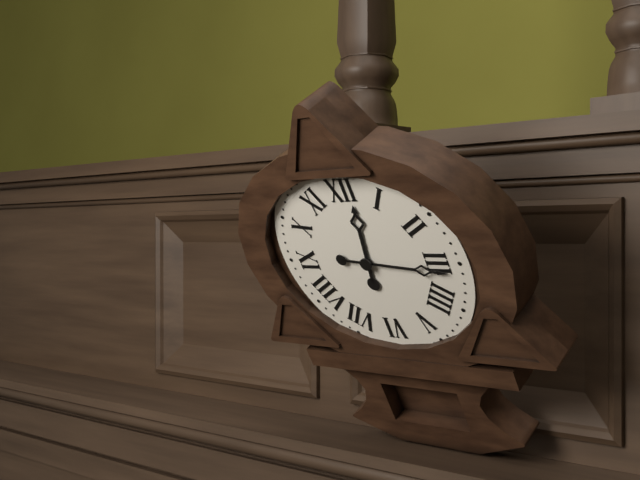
12:16
